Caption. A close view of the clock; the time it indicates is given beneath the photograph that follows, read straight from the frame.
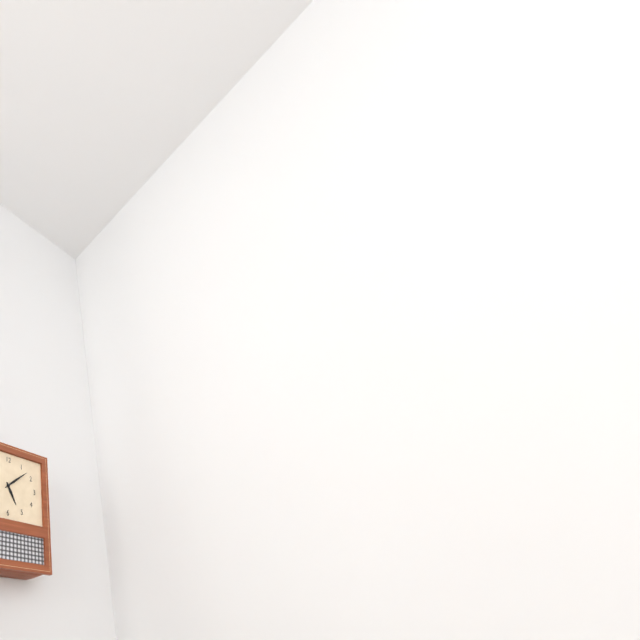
5:08
